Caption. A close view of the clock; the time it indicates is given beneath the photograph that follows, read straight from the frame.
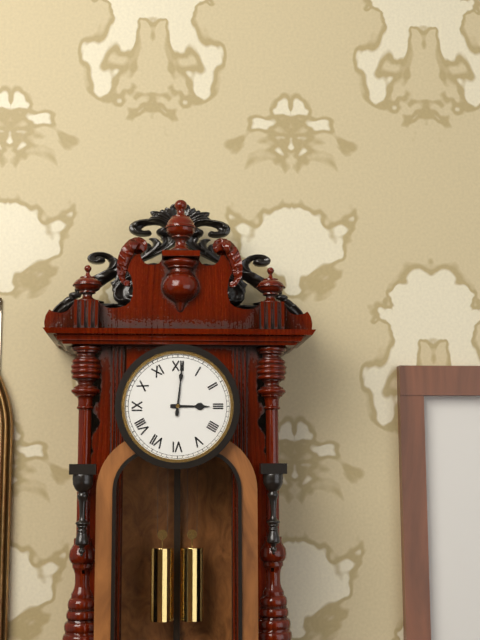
3:01
